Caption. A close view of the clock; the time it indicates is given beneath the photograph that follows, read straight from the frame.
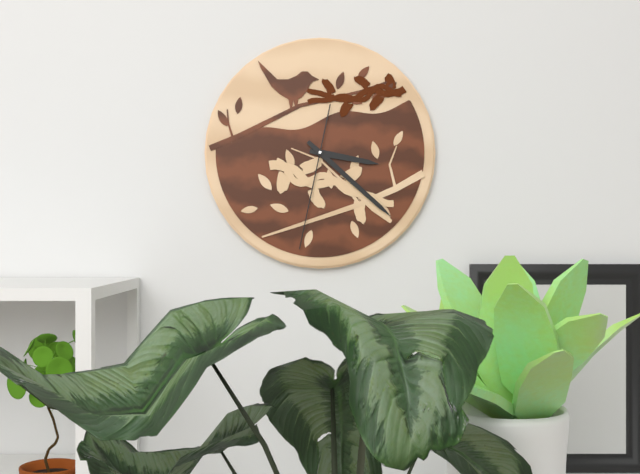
3:22:32
